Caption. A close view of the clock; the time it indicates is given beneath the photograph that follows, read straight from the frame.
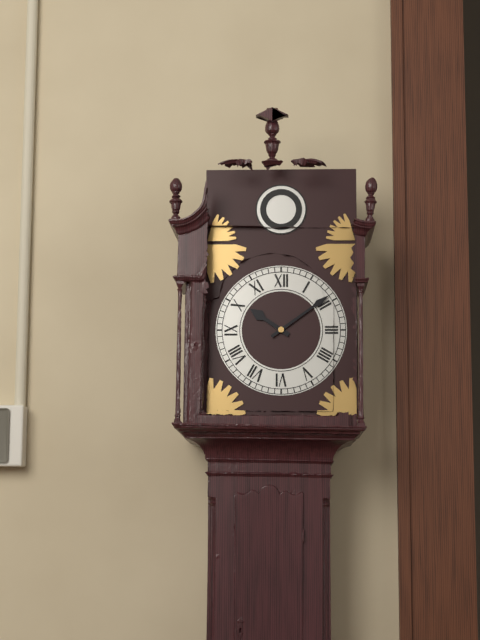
10:09
